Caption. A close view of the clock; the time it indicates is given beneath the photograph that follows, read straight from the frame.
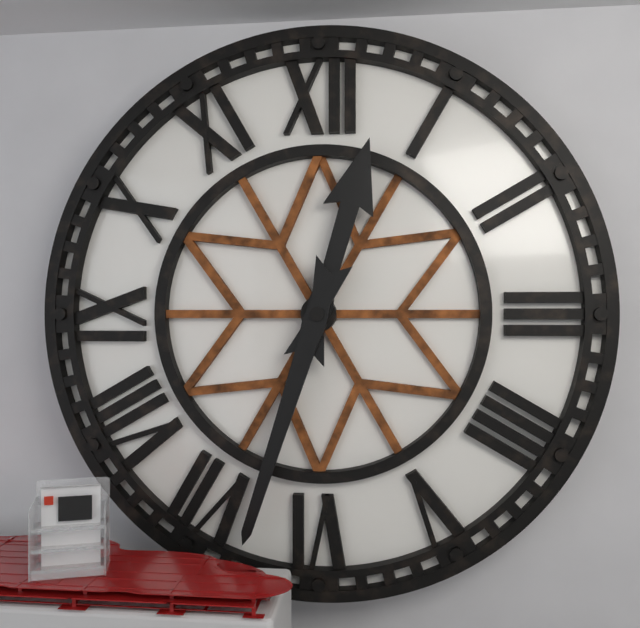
12:33
